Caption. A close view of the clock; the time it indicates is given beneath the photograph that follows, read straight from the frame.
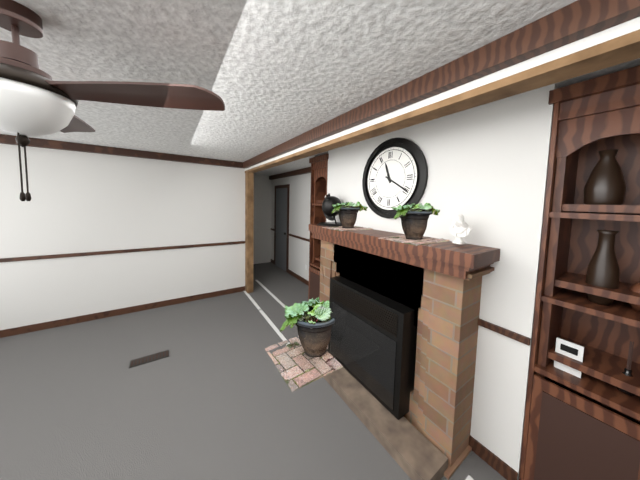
11:20
